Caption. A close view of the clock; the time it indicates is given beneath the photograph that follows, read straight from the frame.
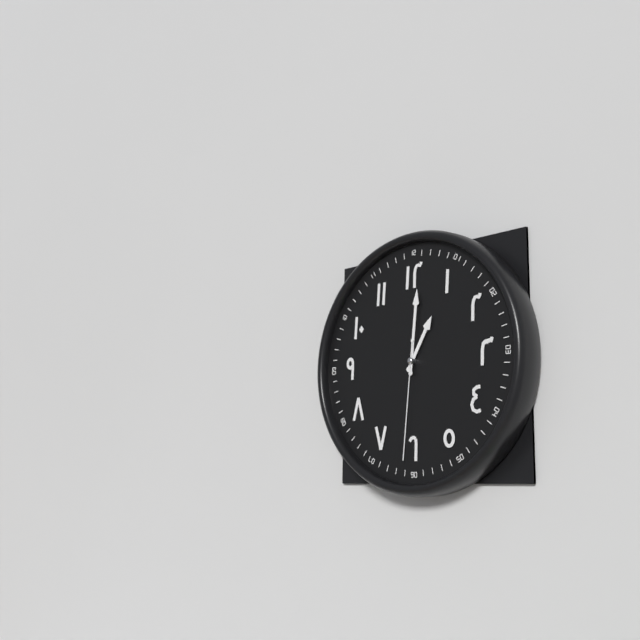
1:01:31
